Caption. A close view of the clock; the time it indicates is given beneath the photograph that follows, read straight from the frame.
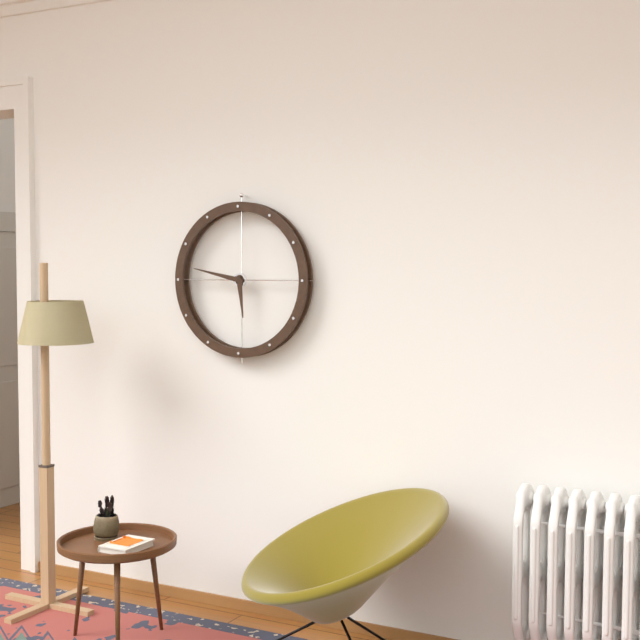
5:47
